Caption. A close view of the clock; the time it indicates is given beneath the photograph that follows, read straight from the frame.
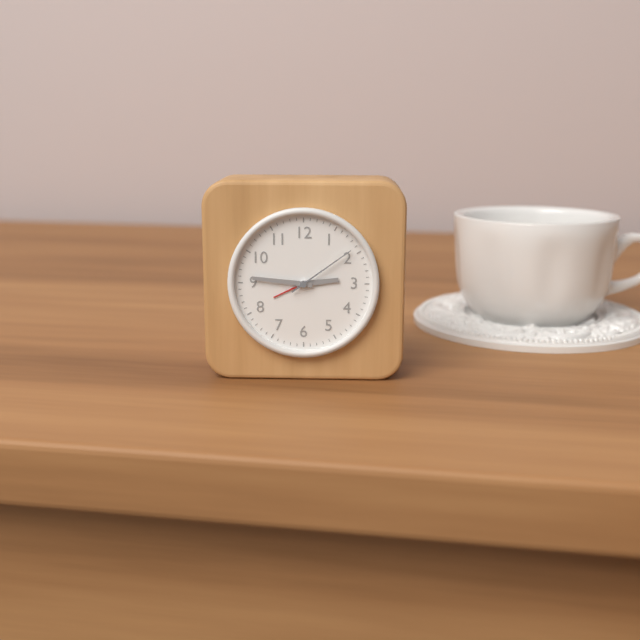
2:46:09
